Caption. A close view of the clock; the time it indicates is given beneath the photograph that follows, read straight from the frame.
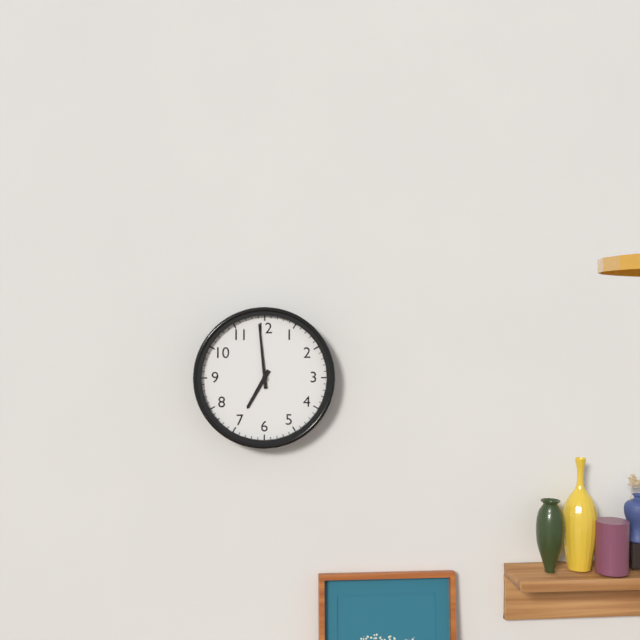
6:59
